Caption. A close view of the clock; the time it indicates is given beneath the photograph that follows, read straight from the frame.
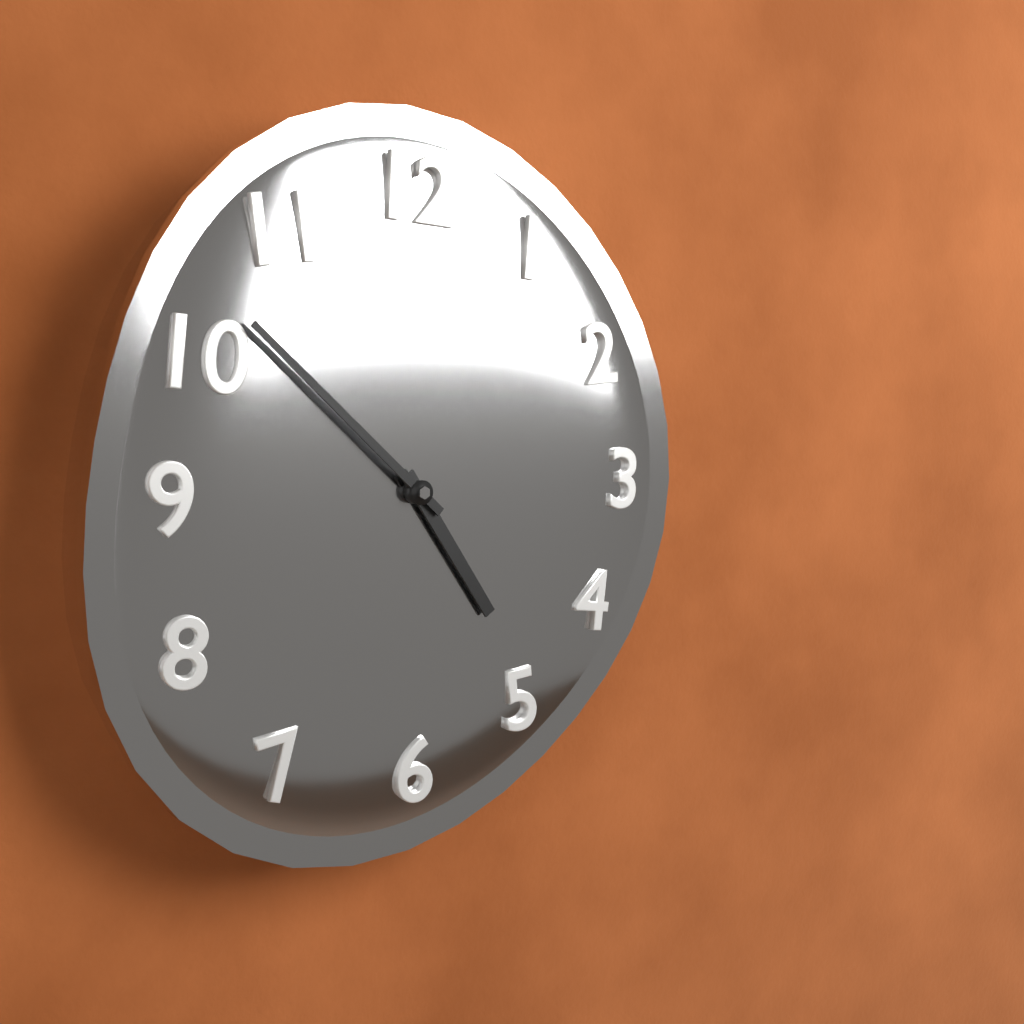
4:52
